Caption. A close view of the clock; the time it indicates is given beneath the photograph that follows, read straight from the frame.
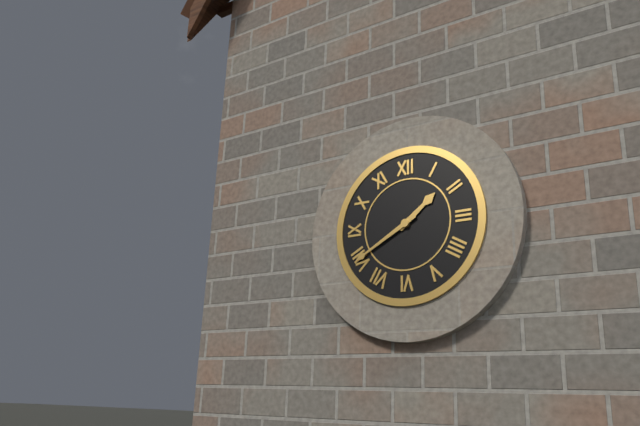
1:40
